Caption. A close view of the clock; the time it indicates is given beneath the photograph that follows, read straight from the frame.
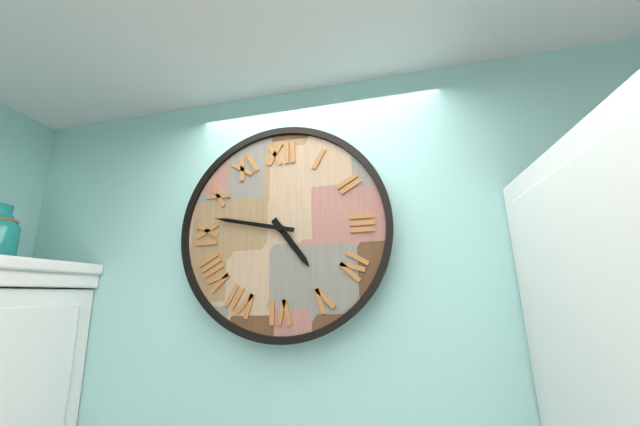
4:47
